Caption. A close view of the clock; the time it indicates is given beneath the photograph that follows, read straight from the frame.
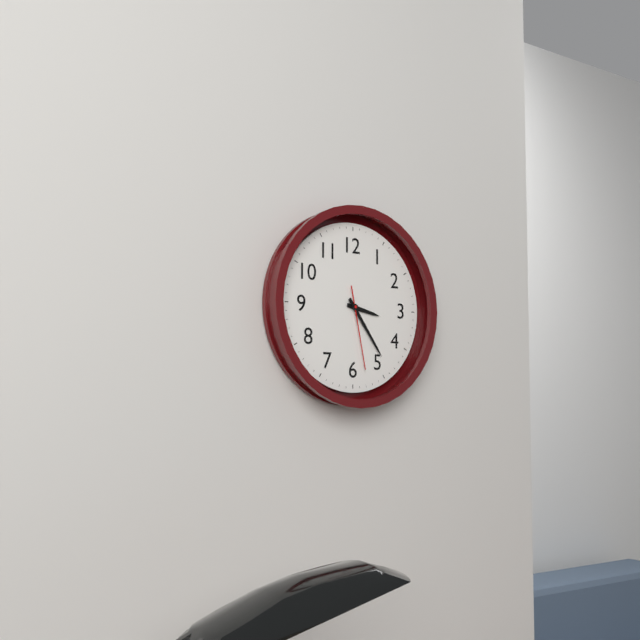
3:24:28
